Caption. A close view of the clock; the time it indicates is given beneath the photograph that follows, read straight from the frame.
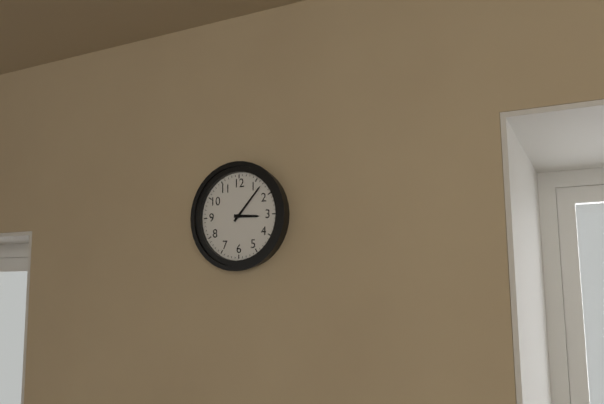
3:07
